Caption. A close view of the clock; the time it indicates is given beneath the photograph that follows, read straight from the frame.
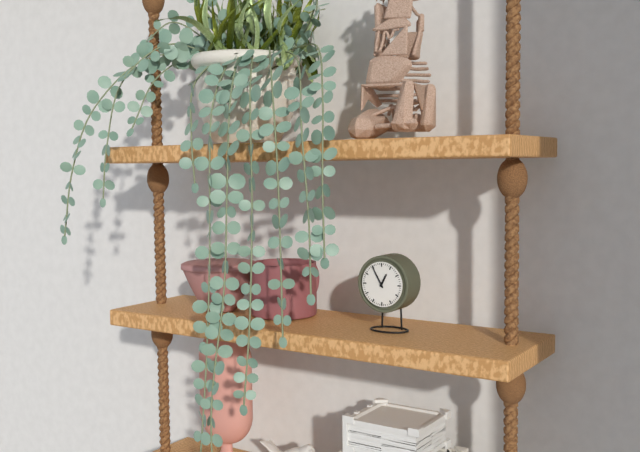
12:55
